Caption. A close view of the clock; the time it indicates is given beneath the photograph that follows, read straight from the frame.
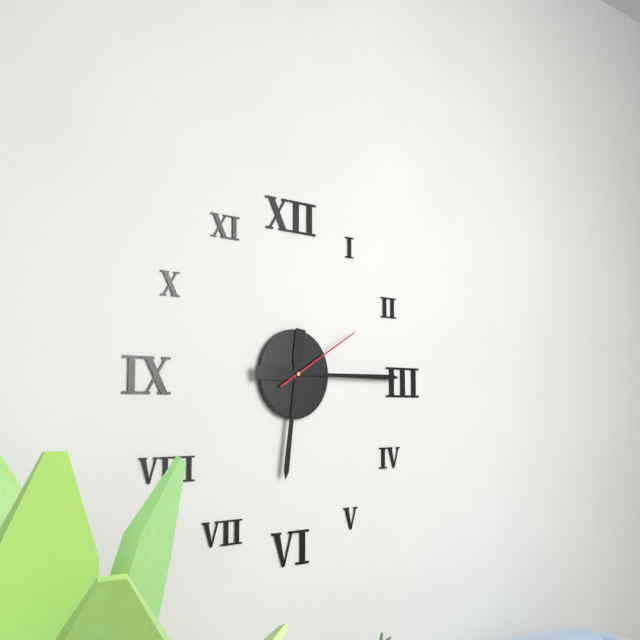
6:15:10
